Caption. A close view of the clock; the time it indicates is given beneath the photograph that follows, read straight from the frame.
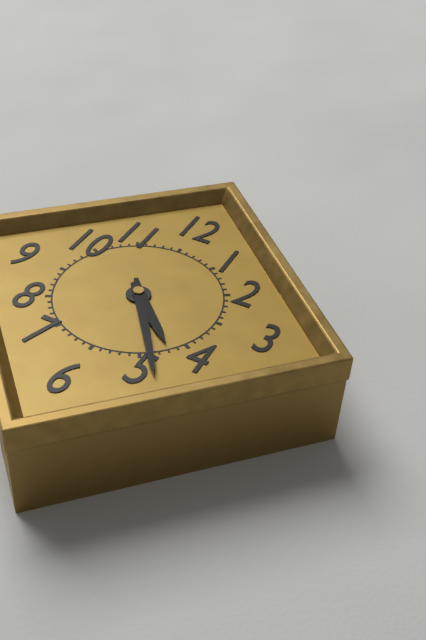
4:24
